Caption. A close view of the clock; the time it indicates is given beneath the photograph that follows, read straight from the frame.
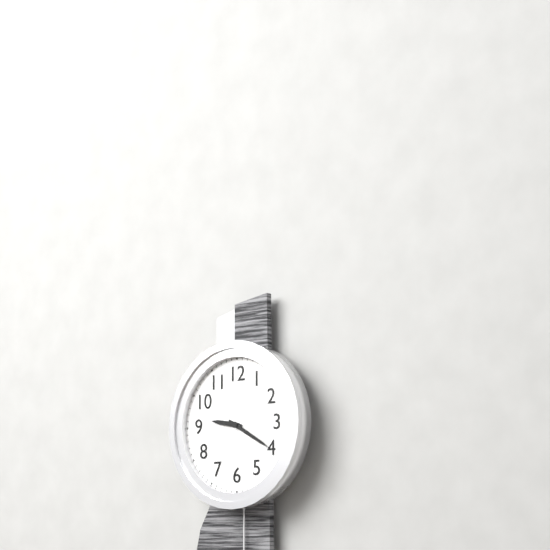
9:20
